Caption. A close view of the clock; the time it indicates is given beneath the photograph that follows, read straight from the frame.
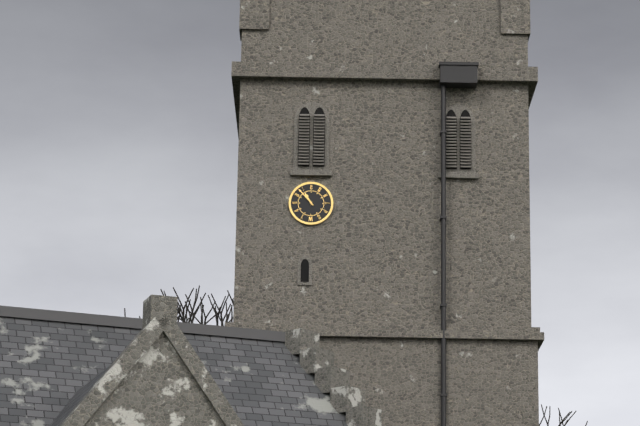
10:53
